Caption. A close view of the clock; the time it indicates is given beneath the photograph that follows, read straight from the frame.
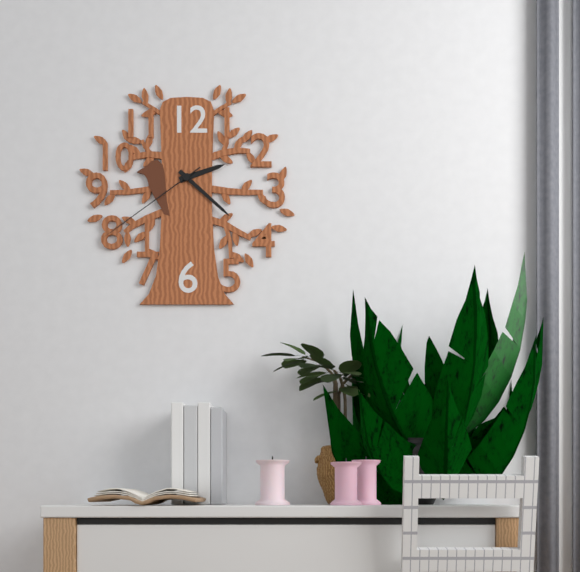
2:22:39
